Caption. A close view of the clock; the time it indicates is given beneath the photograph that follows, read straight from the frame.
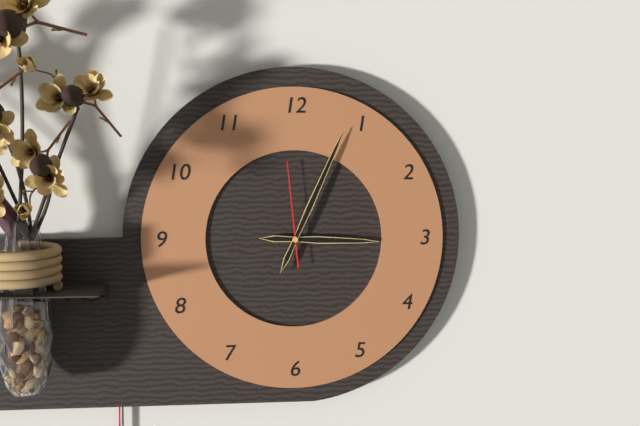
3:04:59
